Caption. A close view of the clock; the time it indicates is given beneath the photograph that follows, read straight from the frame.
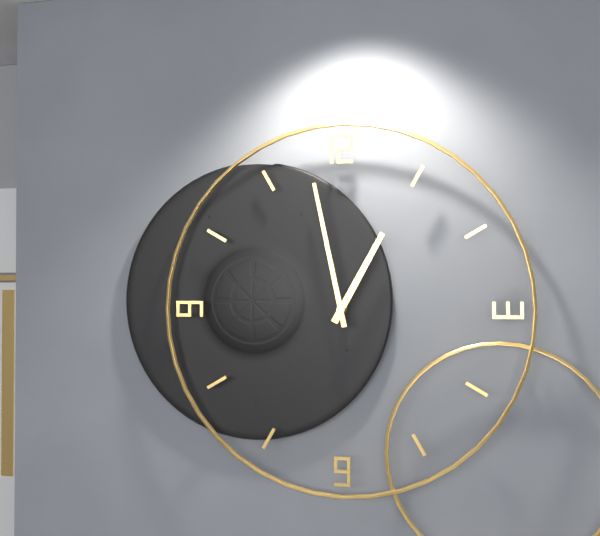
12:58
